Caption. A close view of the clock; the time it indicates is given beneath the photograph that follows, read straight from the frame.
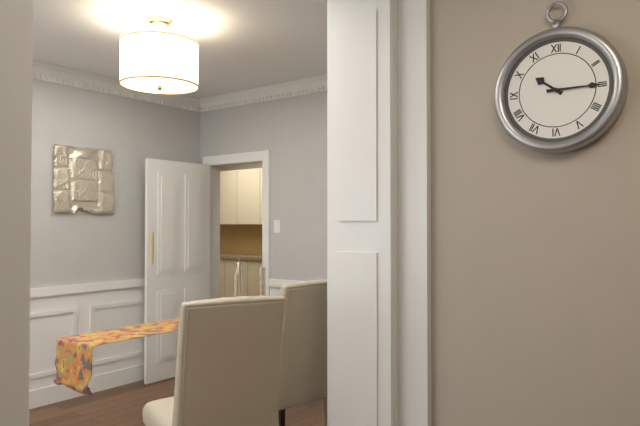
10:15
